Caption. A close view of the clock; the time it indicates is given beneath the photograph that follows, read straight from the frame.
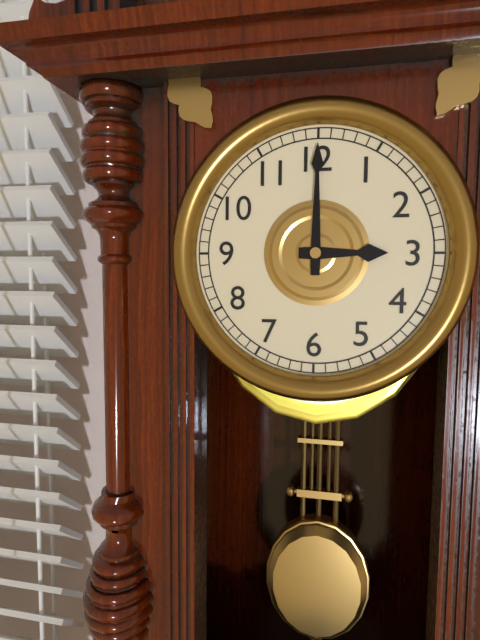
3:00
